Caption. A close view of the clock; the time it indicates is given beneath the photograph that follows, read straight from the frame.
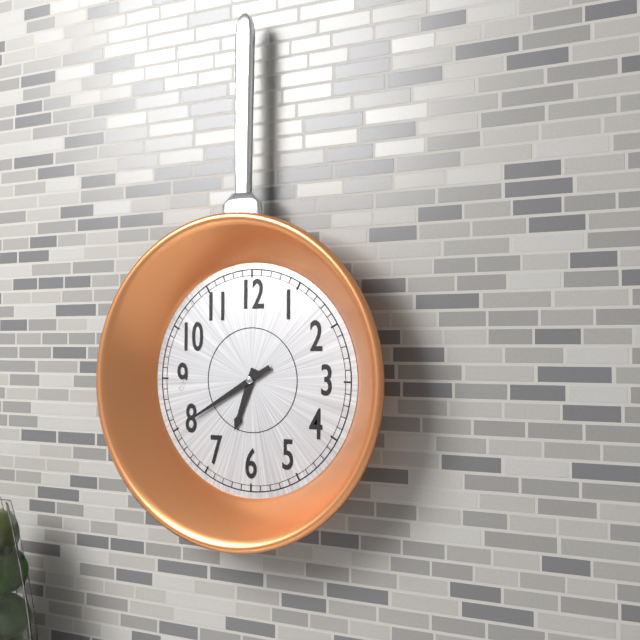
6:40
